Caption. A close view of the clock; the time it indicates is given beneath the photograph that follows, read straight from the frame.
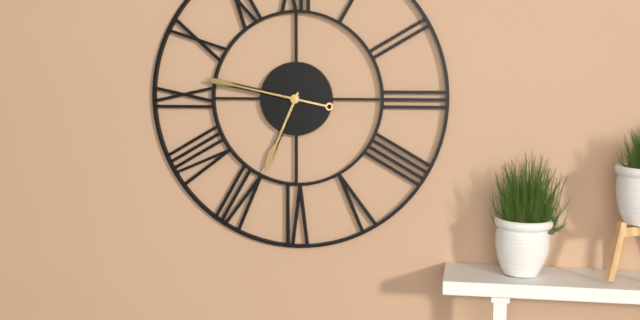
6:47
